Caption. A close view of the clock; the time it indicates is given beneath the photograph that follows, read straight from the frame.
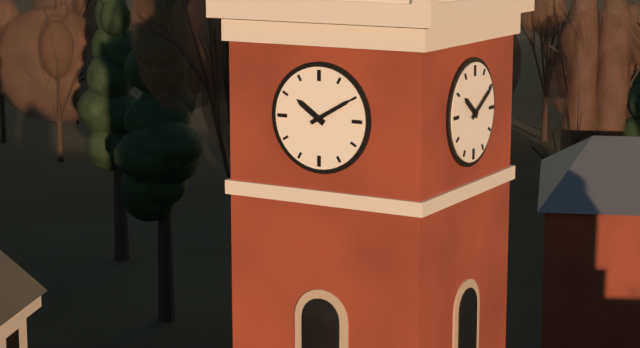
10:10
